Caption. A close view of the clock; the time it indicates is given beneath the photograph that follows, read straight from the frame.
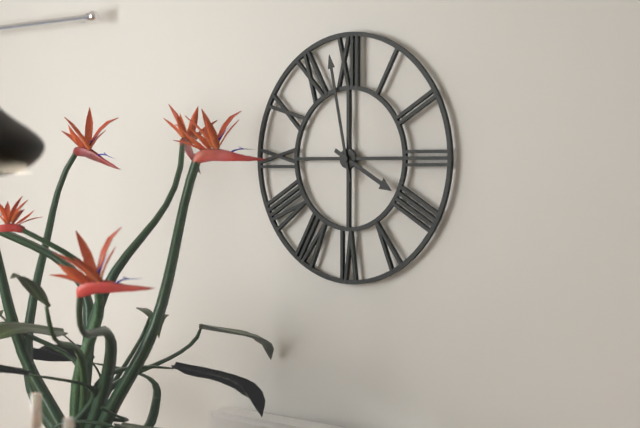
3:58
